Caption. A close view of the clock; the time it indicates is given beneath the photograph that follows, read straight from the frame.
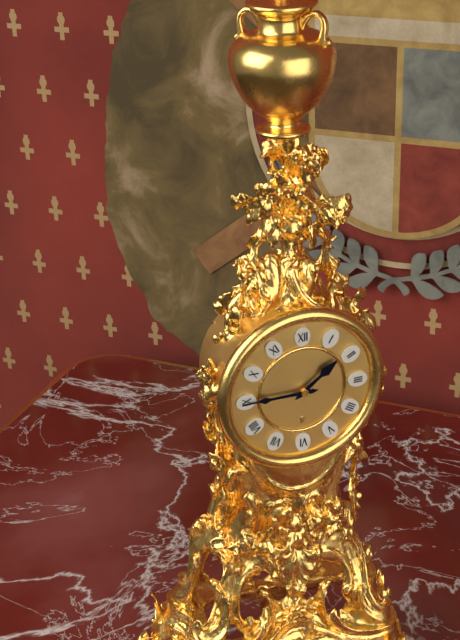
1:45
